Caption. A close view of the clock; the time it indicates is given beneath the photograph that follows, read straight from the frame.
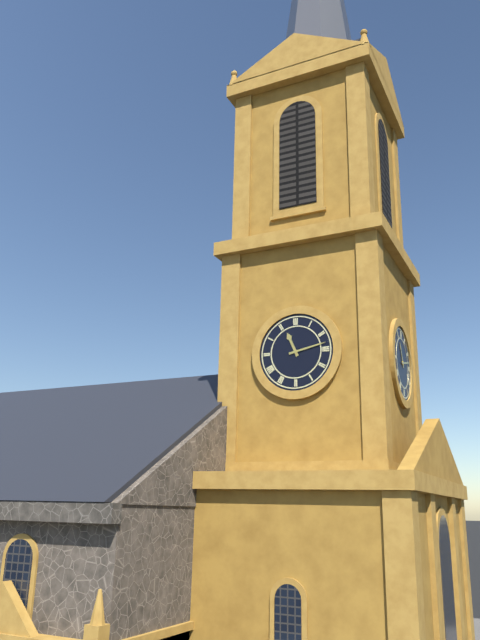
11:13
